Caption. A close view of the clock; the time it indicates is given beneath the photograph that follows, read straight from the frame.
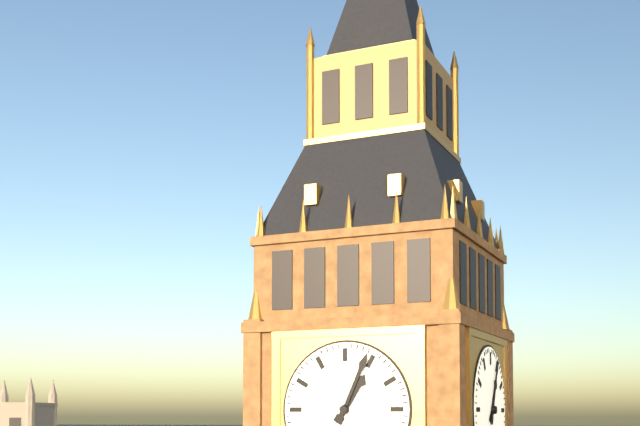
1:04
